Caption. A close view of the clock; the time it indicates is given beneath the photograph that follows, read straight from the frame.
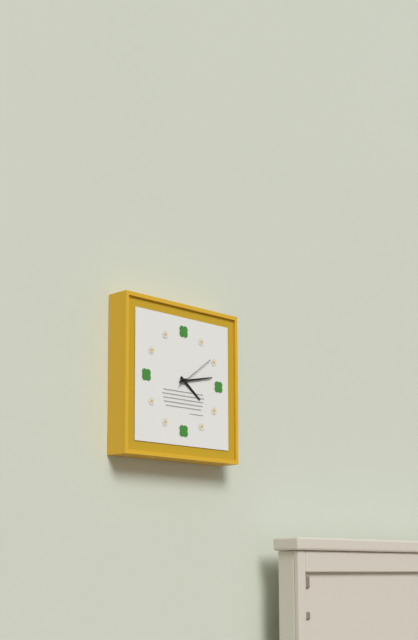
4:13
